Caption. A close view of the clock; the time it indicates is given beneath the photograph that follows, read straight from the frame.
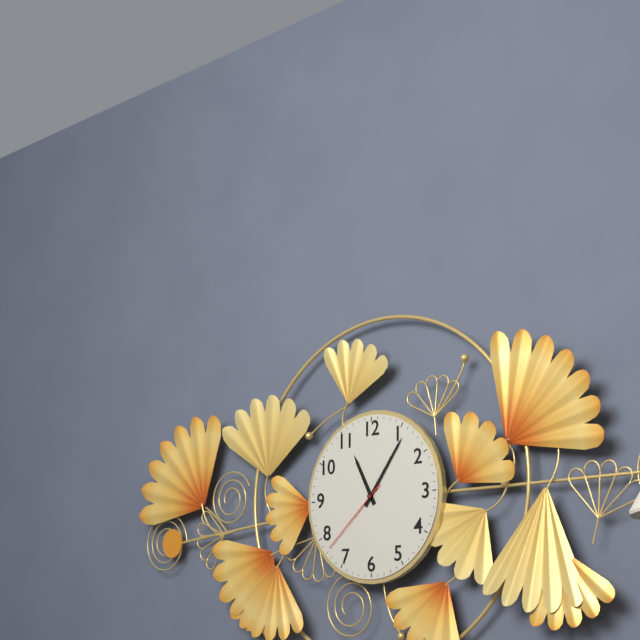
11:06:38
